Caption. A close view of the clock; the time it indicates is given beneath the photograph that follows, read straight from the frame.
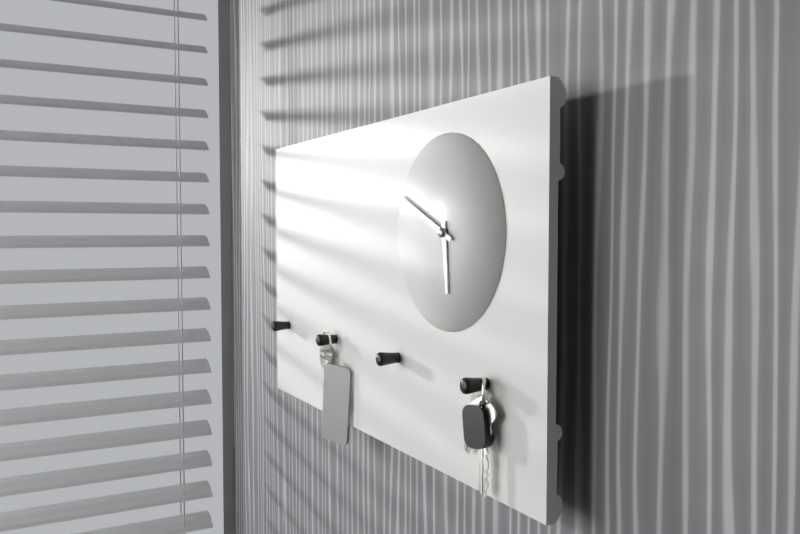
5:49
